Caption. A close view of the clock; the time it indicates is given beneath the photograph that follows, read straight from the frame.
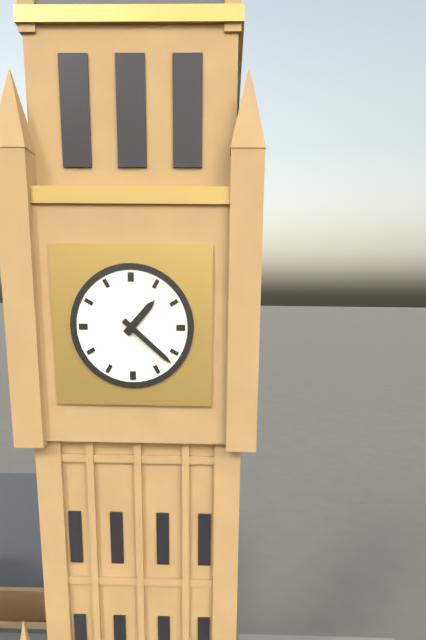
1:22
